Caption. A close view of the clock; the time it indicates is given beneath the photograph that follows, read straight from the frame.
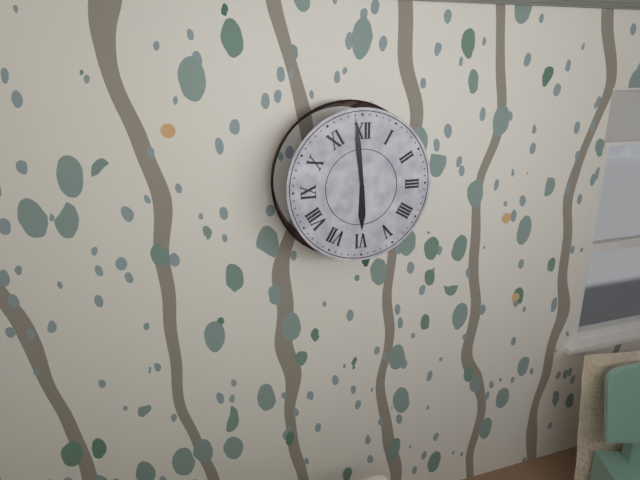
5:59
